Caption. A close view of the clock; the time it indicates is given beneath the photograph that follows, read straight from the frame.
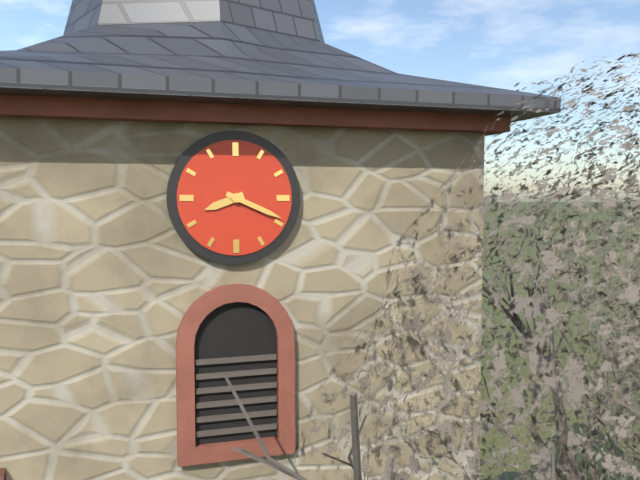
8:19
